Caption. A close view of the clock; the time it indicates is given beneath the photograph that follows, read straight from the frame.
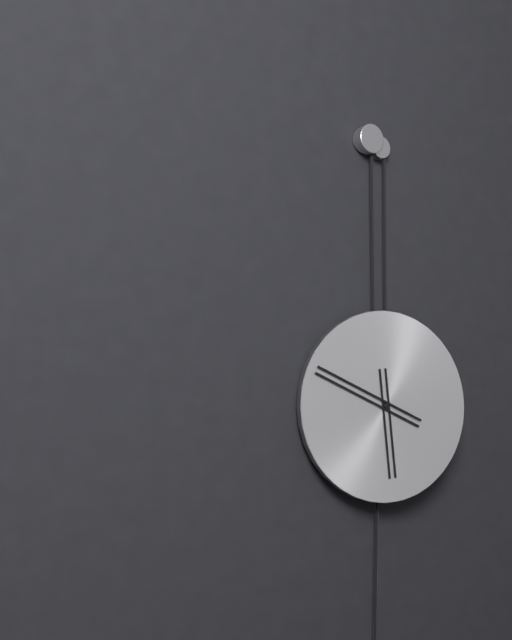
5:49
